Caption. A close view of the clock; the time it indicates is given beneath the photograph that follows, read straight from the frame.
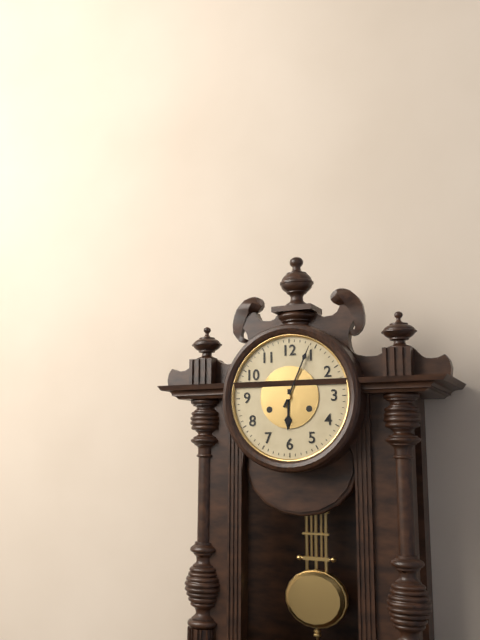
6:04
